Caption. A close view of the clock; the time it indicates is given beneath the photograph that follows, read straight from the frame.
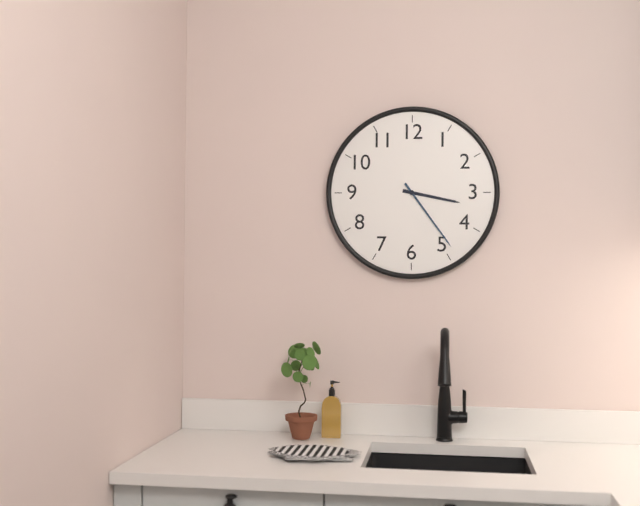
3:24
